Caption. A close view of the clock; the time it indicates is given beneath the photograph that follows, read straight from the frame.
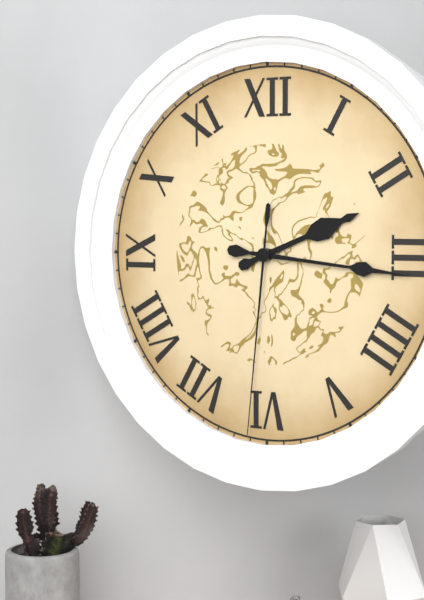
2:16:31
